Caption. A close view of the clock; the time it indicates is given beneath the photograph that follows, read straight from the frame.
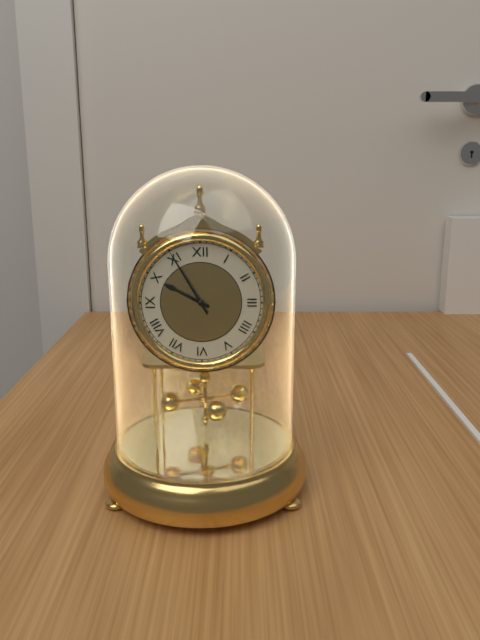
9:55
